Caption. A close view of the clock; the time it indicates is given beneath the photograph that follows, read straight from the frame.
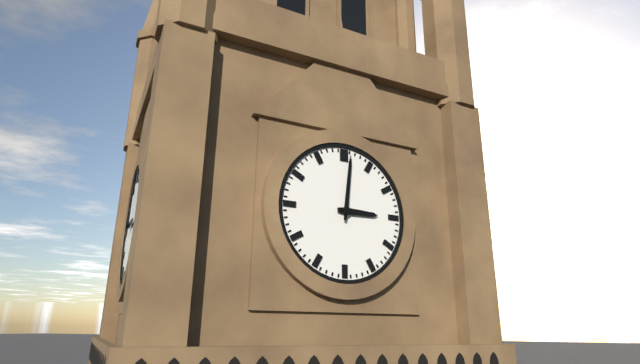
3:01
